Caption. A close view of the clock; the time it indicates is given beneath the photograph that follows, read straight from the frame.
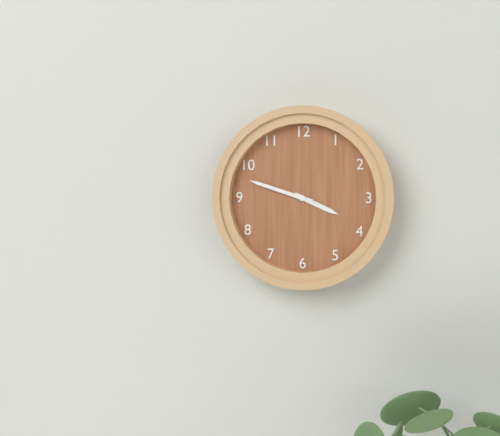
3:48
